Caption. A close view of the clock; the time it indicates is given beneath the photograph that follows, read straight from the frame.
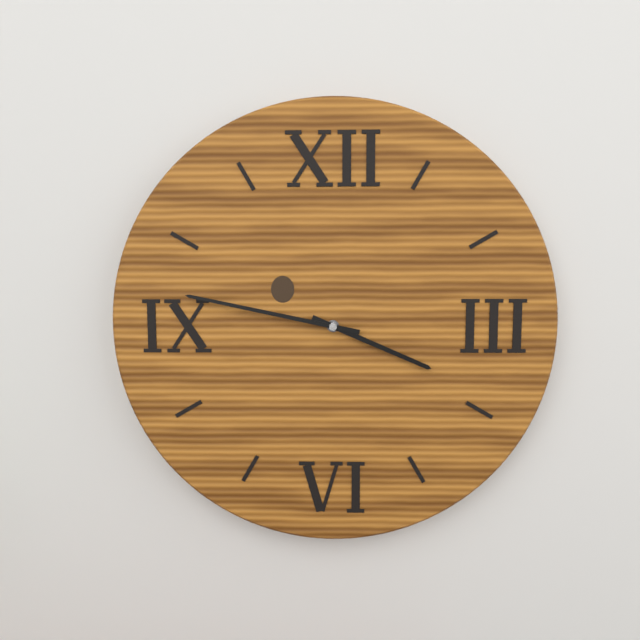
3:47
